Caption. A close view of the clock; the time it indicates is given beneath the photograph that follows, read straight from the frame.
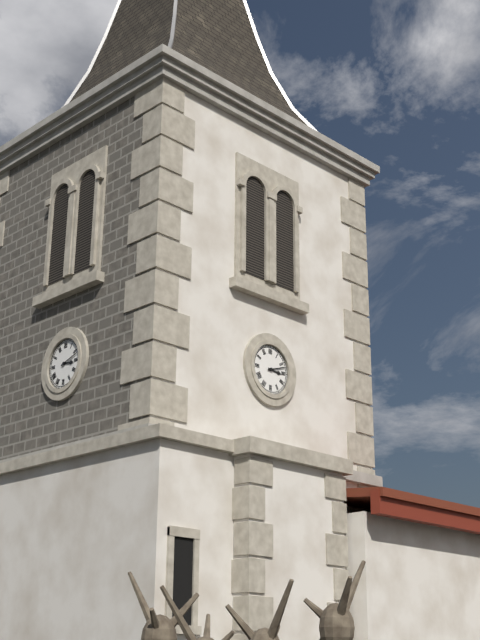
3:12
